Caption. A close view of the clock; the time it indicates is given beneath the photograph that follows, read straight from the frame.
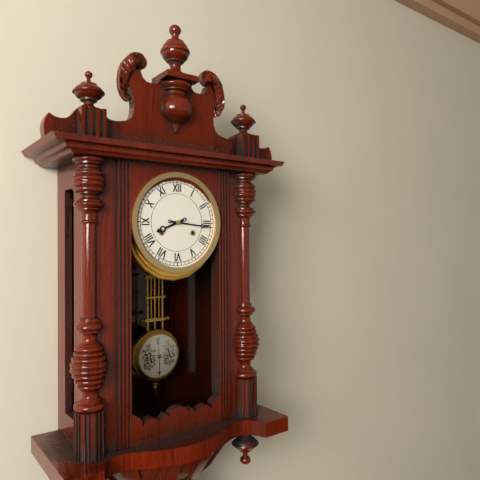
8:16
